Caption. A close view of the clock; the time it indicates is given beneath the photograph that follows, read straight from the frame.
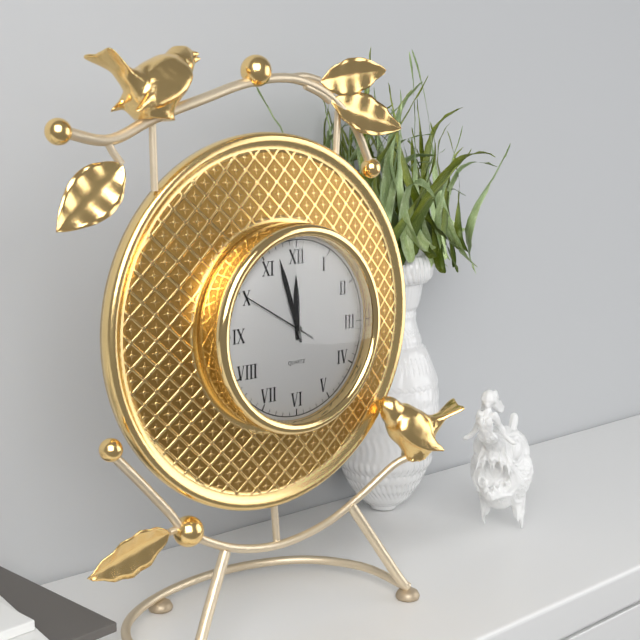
11:57:50
